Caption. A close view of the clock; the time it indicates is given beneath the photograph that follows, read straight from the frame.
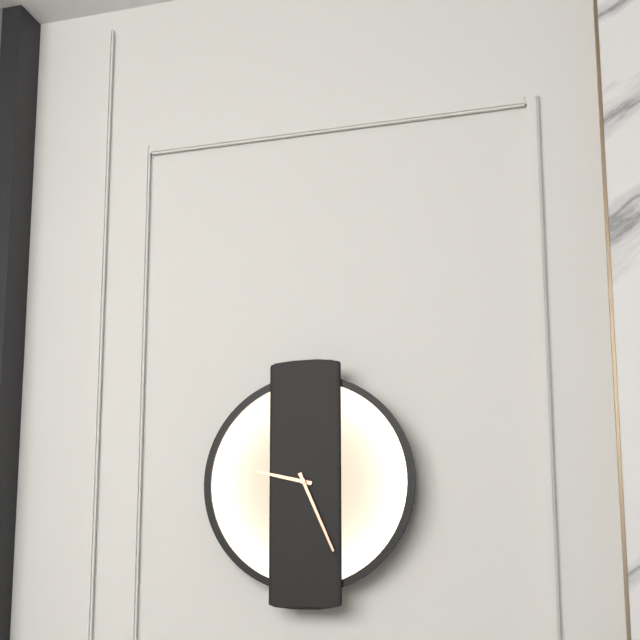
9:26
